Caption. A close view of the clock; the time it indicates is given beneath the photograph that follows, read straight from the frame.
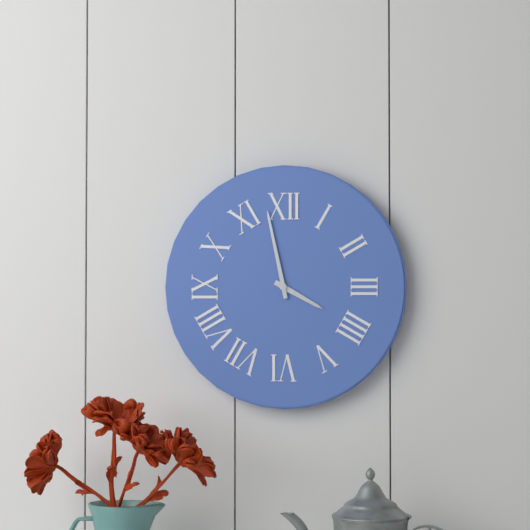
3:58
